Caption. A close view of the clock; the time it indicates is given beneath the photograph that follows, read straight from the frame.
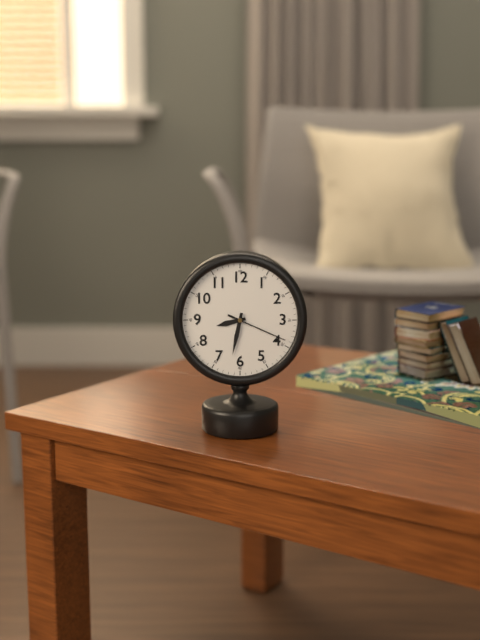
8:32:19
